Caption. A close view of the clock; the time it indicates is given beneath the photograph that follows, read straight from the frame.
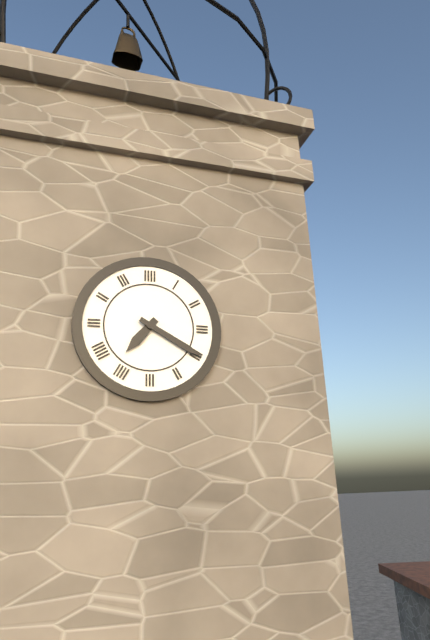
7:20
